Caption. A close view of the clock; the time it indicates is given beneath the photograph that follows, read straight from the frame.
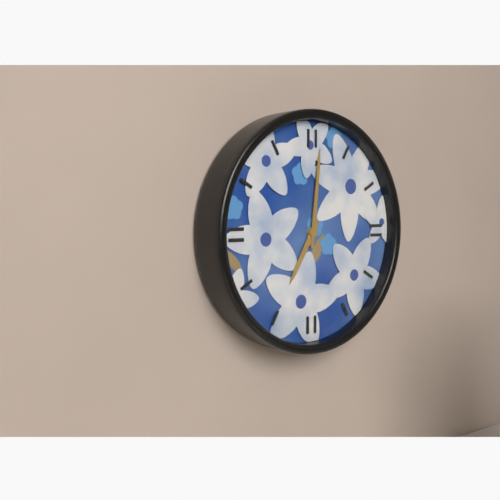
7:01
